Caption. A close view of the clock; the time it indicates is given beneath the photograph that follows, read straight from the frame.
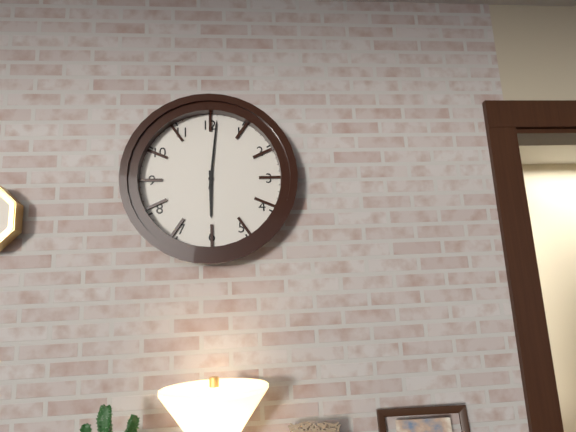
6:01
